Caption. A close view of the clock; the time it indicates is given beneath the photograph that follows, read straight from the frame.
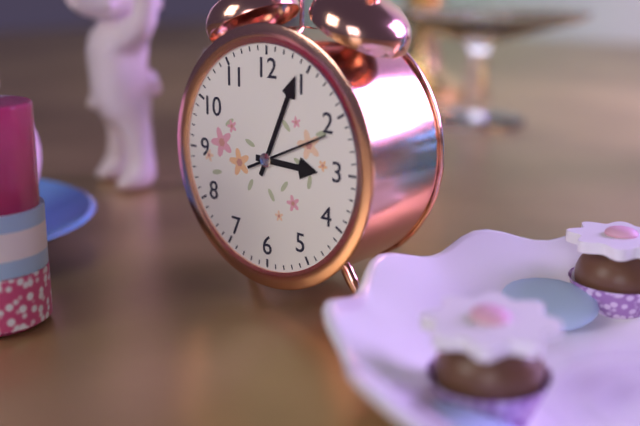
3:04:11
